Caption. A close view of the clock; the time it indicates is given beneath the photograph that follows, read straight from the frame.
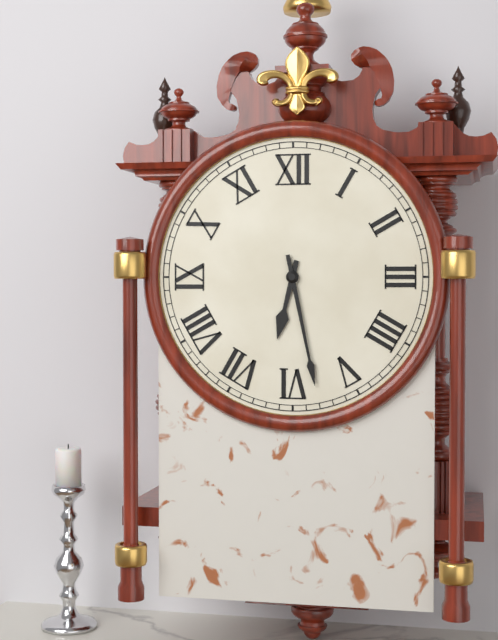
6:28
